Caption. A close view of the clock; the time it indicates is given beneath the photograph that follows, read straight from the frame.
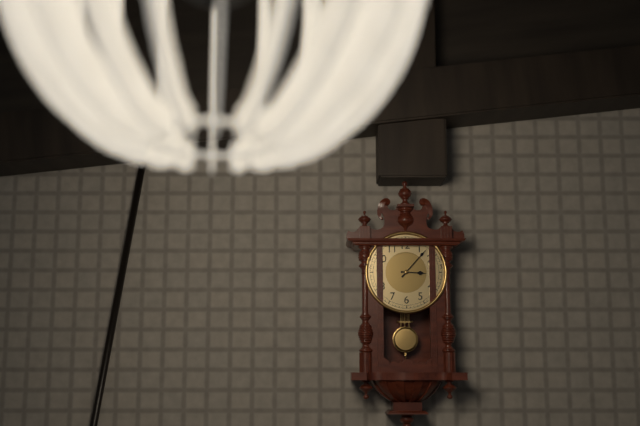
3:07
